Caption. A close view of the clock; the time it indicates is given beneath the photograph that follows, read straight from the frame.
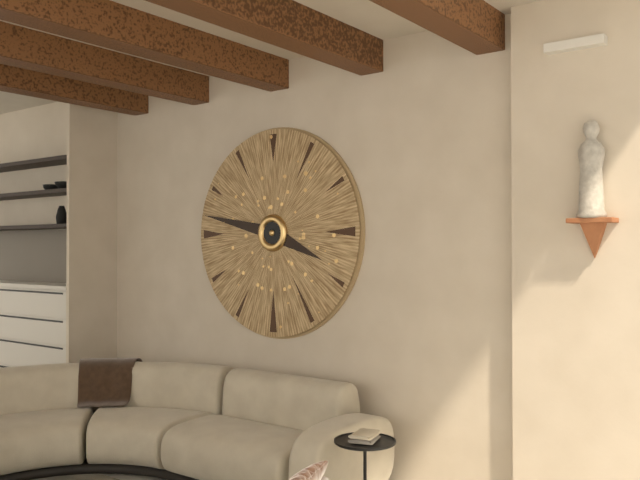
3:47
